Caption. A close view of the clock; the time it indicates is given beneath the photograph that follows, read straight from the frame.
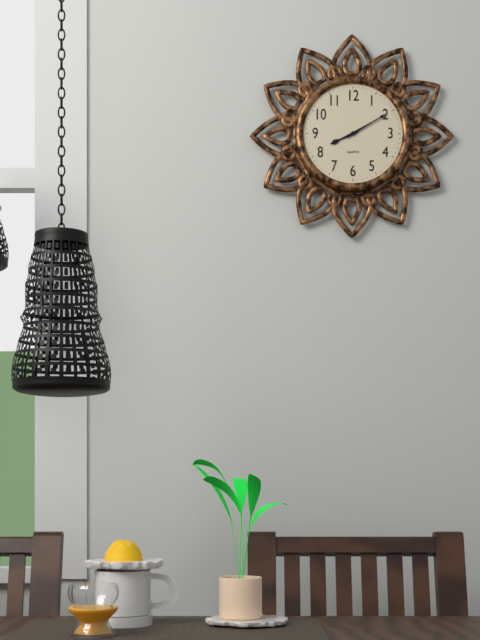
8:10
